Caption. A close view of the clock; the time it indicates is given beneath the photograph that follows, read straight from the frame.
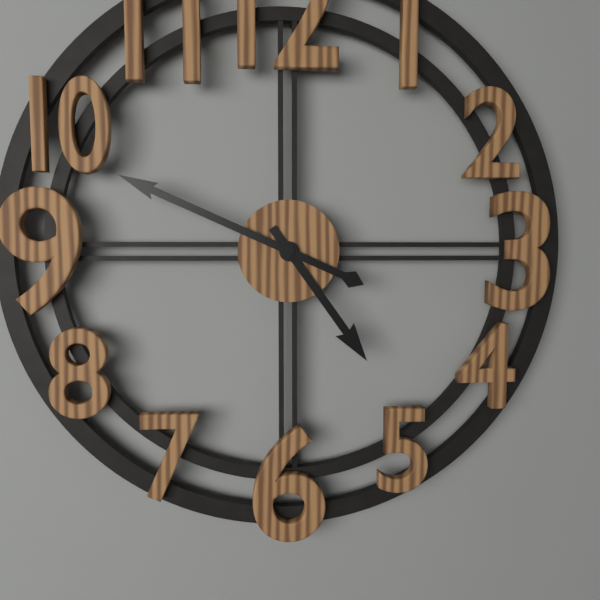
4:49
